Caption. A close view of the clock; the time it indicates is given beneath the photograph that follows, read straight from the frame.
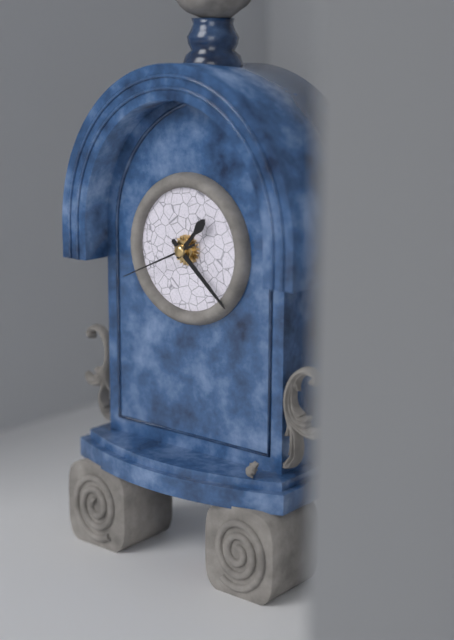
1:22:41
